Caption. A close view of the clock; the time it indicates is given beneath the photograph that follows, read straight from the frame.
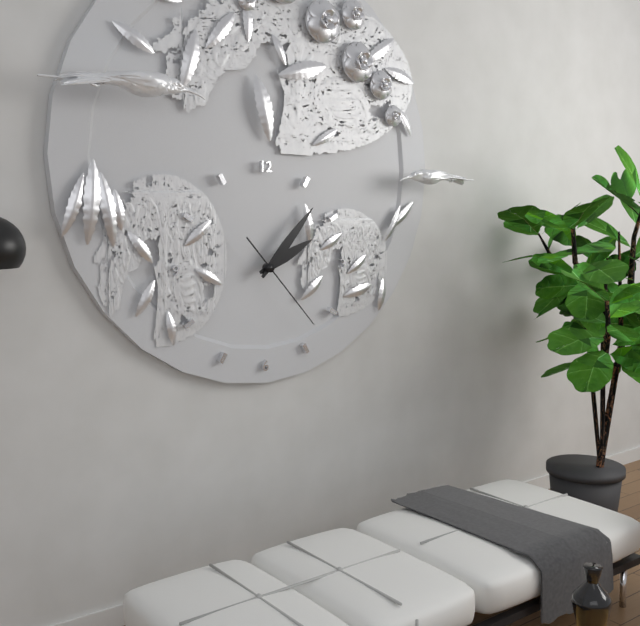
2:07:23
